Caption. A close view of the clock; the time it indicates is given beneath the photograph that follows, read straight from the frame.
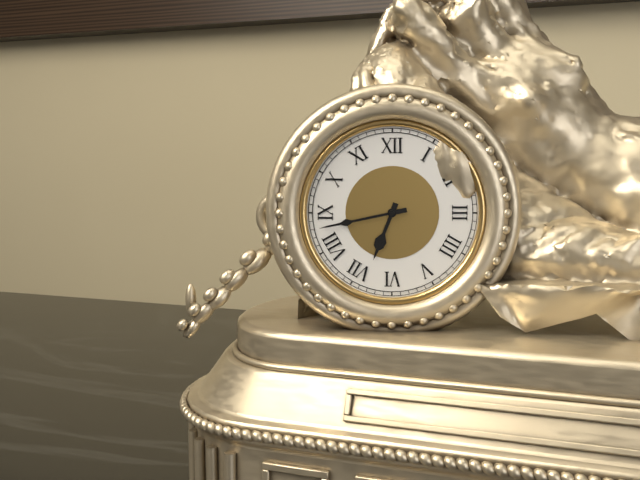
6:43
